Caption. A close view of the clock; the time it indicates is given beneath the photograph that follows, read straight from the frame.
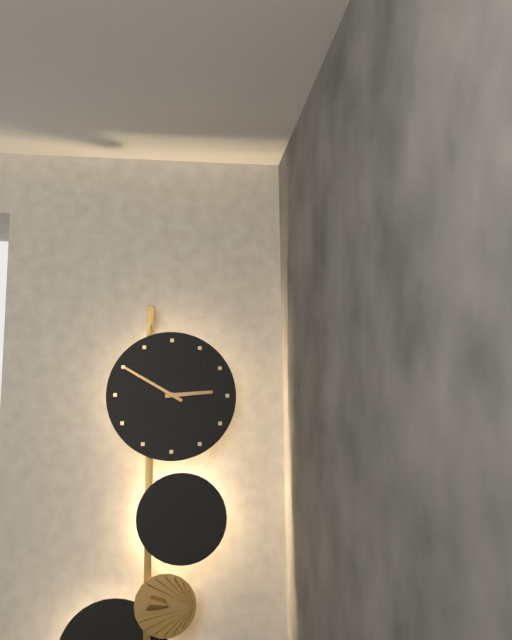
2:50
